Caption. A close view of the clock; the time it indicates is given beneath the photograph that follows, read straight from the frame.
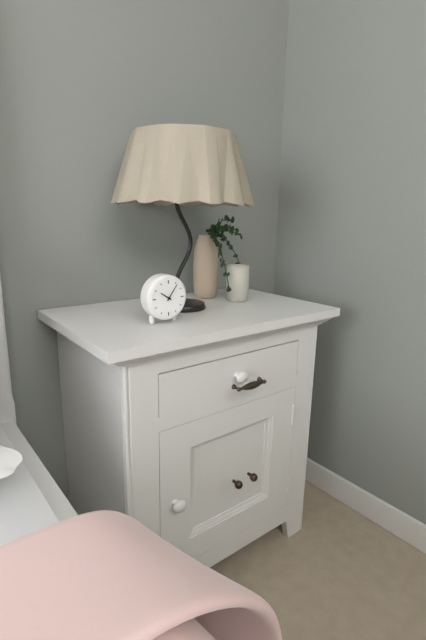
10:06
